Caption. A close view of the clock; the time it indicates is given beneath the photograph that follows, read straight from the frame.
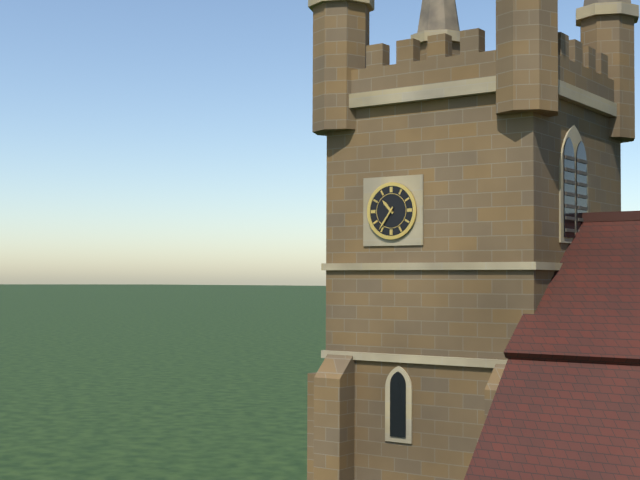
10:36
